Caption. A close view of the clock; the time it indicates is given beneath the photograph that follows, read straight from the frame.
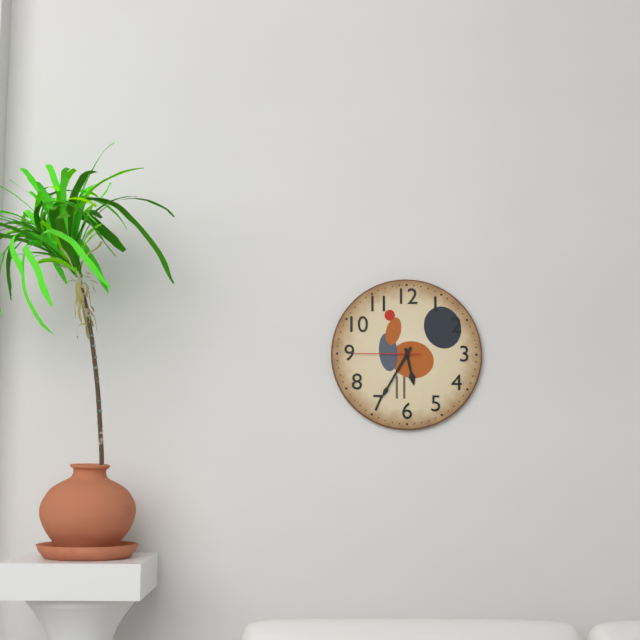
5:35:45
